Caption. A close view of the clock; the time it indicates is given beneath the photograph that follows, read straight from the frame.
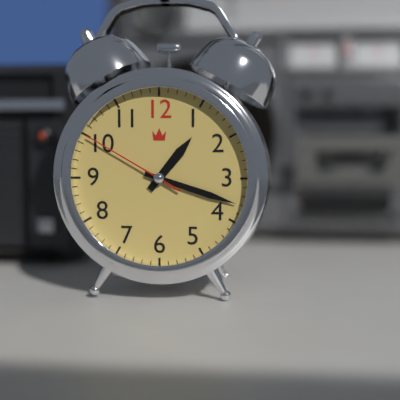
1:18:50
